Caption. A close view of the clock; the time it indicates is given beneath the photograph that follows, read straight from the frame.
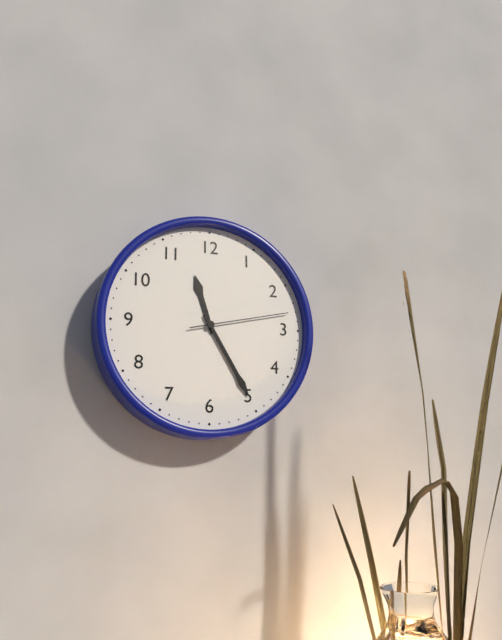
11:25:13
